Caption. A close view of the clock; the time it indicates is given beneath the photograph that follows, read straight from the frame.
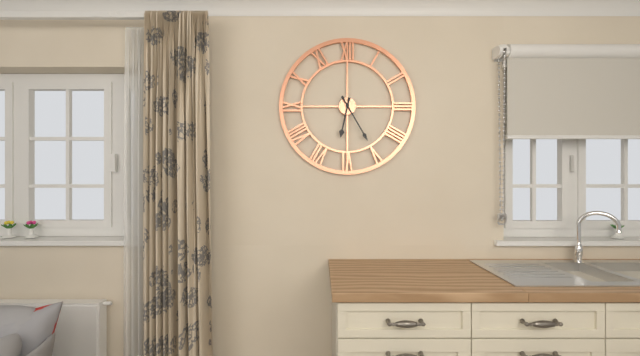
6:25
